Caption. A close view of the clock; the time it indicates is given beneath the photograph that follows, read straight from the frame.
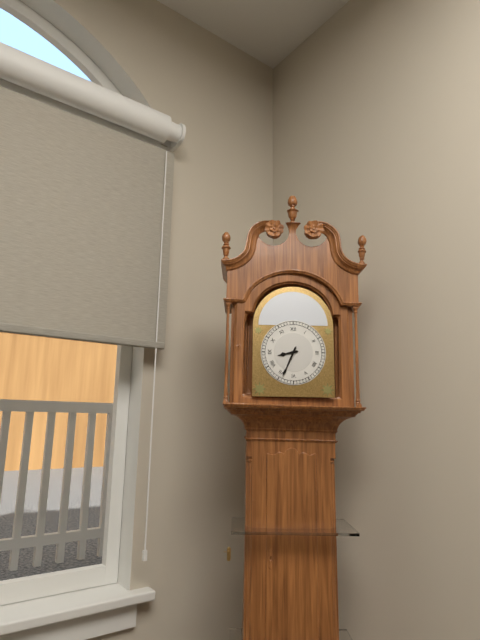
8:34
